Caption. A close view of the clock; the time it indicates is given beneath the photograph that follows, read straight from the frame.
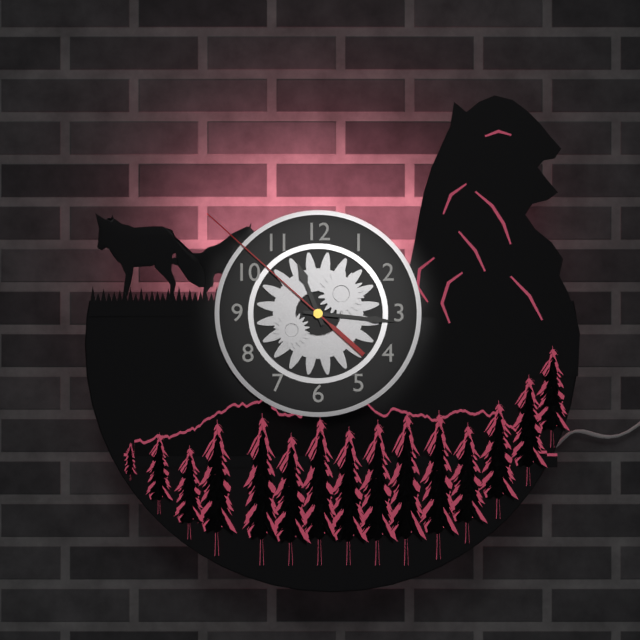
11:16:52
